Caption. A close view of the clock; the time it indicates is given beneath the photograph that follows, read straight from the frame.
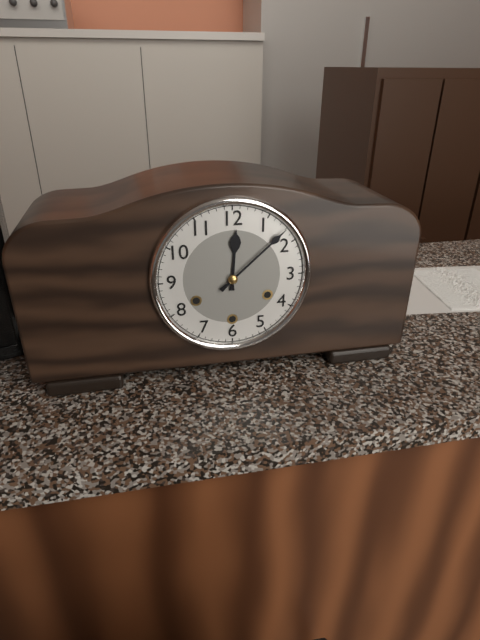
12:08
